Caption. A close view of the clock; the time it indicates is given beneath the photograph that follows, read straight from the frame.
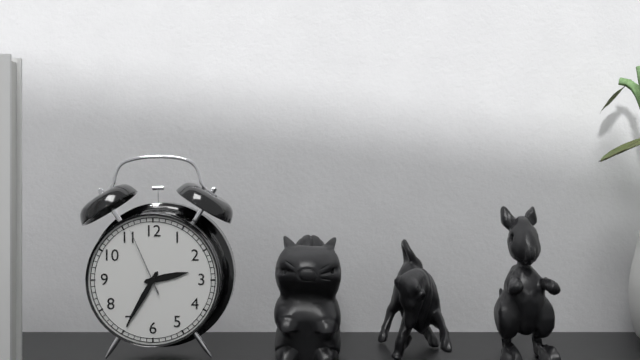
2:35:56
